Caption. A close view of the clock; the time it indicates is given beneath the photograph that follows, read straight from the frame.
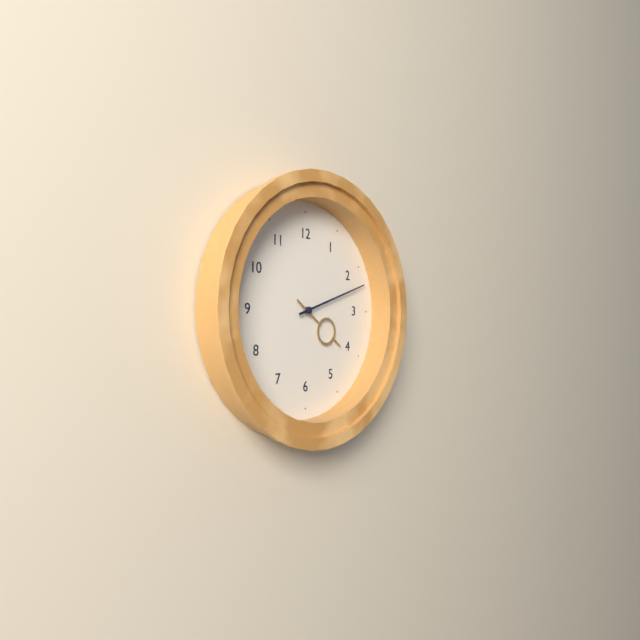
4:12
